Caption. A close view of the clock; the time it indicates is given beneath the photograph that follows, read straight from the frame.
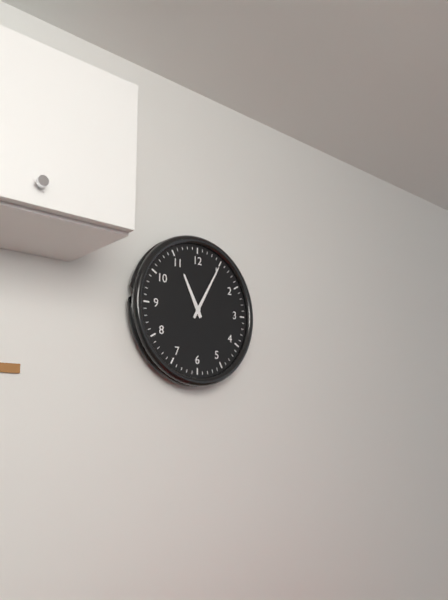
11:05
